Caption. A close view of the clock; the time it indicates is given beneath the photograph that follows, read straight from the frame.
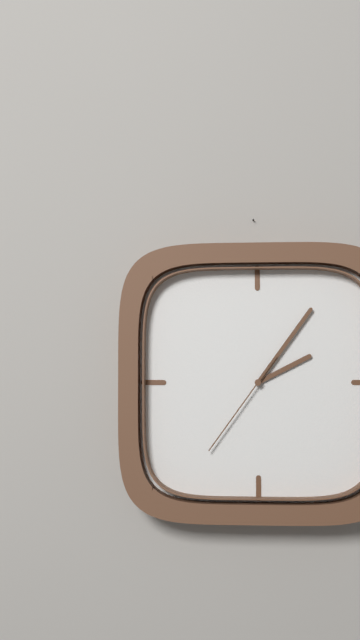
2:06:36
